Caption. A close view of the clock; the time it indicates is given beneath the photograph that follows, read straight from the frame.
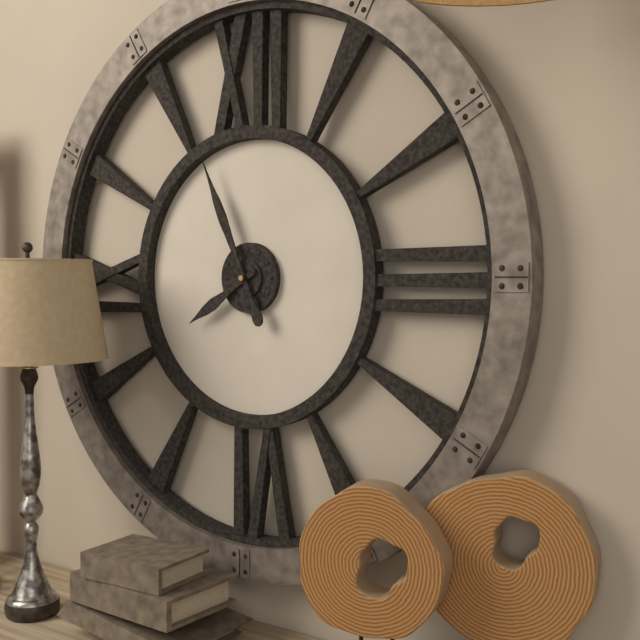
7:56
